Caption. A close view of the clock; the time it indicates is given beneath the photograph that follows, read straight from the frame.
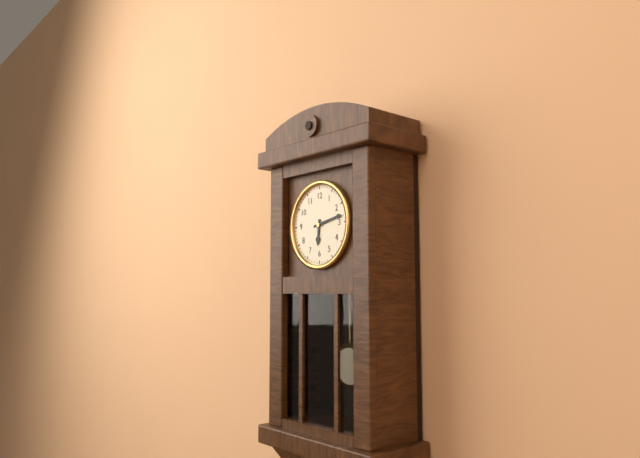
6:13
